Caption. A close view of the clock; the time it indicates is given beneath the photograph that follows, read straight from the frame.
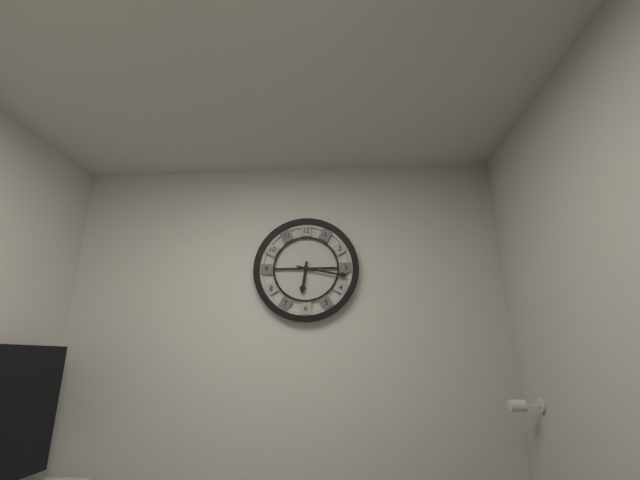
6:17
